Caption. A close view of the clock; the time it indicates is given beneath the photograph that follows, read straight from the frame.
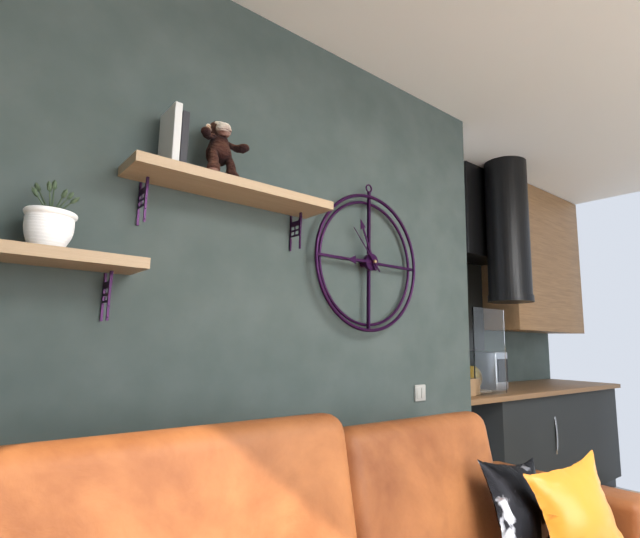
8:56
